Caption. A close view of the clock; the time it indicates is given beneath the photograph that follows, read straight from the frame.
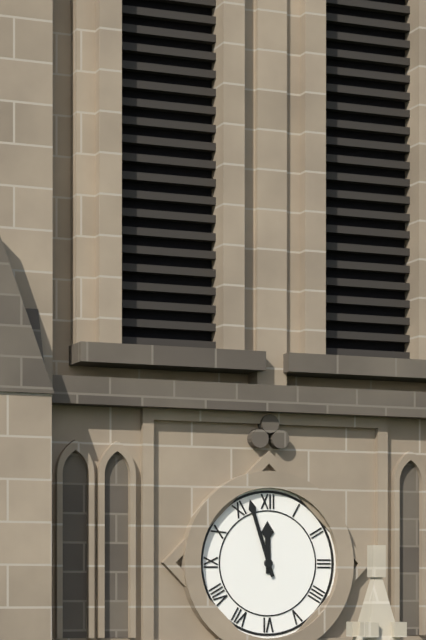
11:57
